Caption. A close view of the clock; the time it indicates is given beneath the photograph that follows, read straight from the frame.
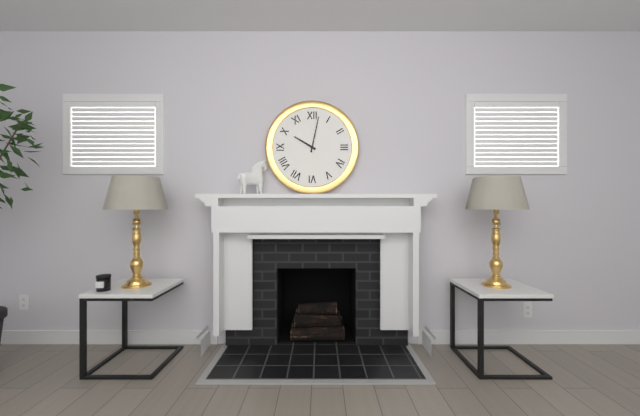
10:02
